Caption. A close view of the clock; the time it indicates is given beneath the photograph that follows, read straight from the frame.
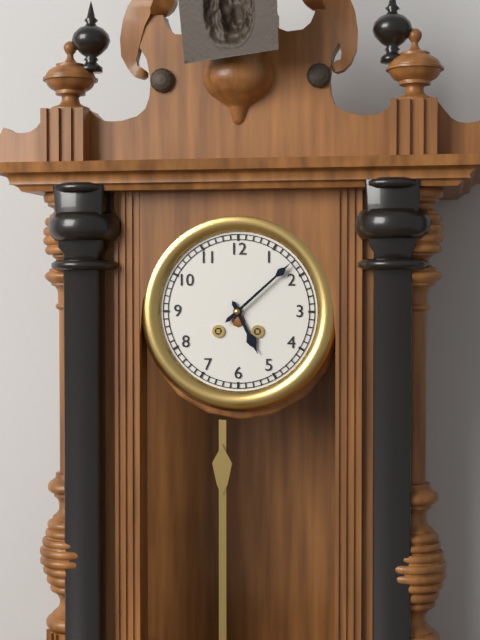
5:08
